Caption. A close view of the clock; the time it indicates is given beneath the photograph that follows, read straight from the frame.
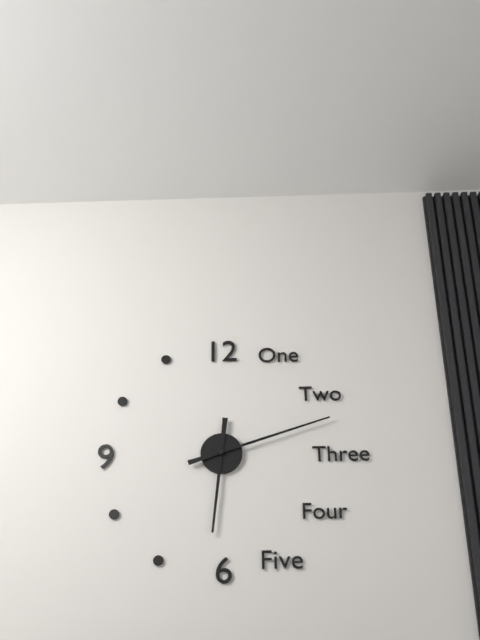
6:12
